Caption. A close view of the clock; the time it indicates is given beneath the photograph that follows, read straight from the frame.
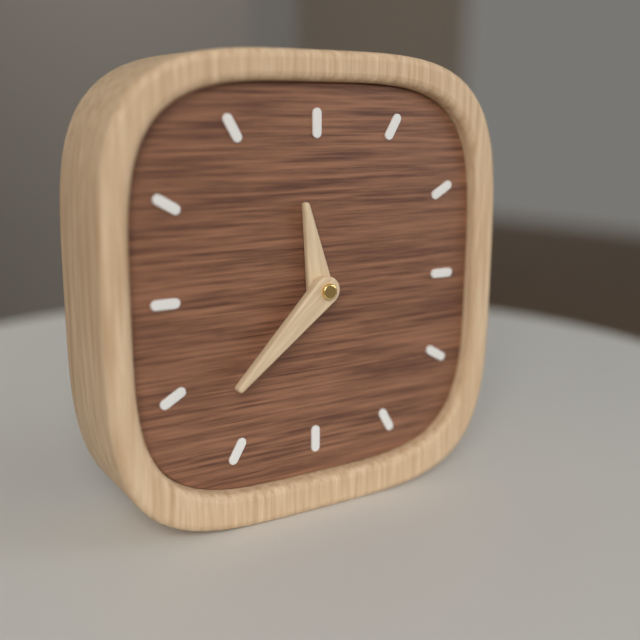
11:38
